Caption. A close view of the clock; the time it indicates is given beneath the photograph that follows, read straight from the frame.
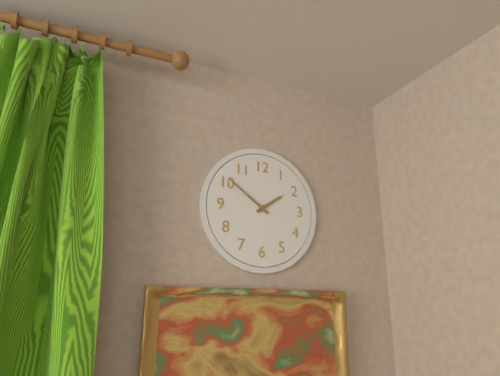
1:51
